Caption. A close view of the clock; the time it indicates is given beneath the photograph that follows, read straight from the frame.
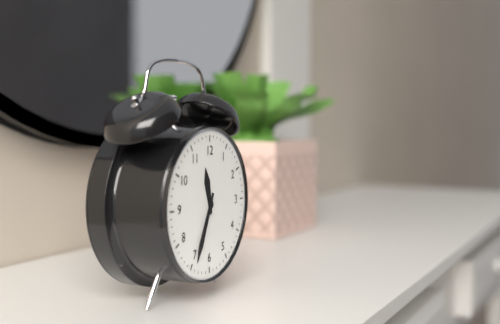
11:34
